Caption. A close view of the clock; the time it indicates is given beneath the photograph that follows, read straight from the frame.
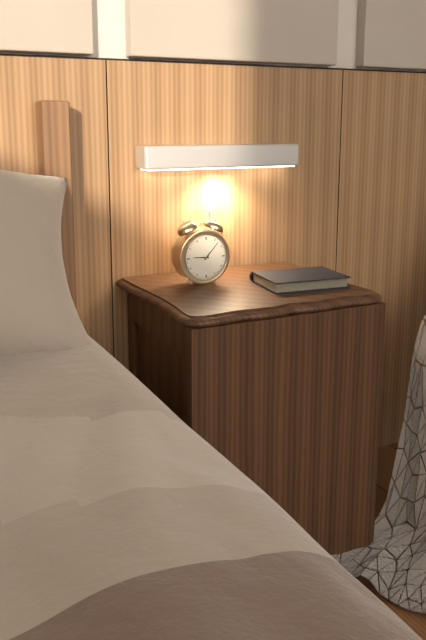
9:07
